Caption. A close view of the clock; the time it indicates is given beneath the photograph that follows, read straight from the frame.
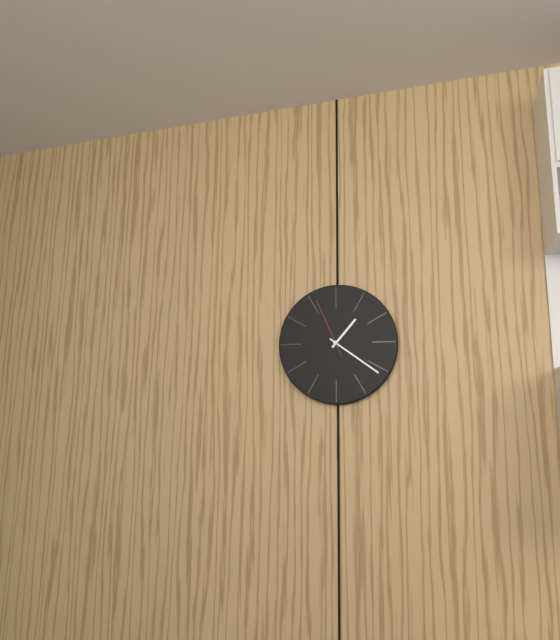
1:21:56
